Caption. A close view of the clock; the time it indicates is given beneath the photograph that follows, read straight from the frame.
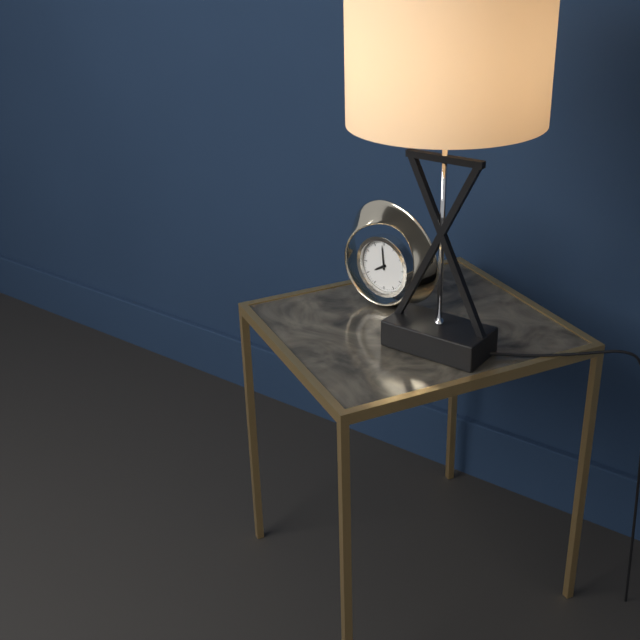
7:59
